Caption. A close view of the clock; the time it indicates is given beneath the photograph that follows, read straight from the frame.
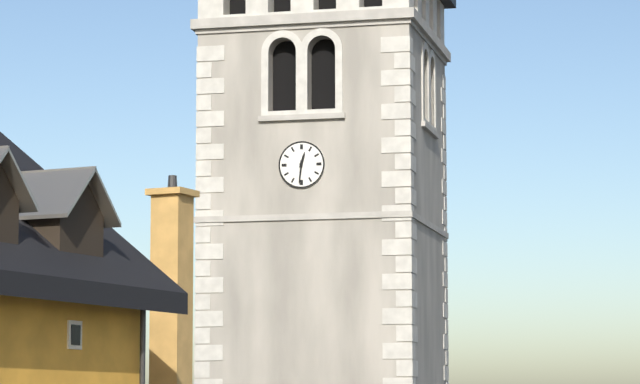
12:31
